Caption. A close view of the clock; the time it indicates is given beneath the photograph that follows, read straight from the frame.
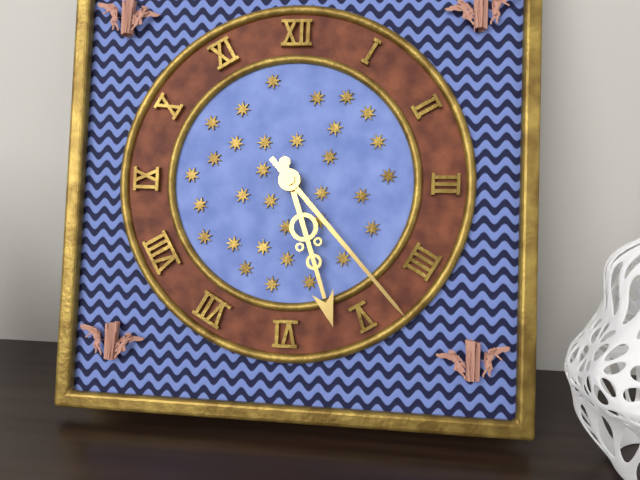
5:23
